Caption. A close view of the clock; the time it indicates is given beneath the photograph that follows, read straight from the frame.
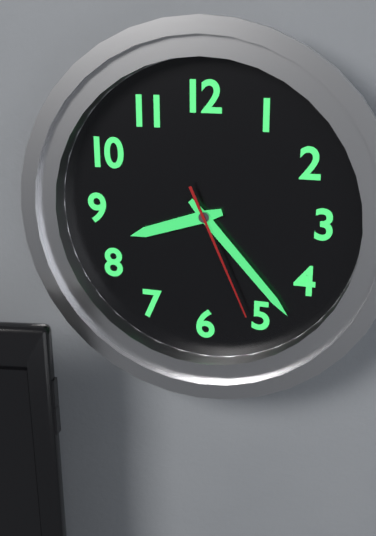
8:23:26
